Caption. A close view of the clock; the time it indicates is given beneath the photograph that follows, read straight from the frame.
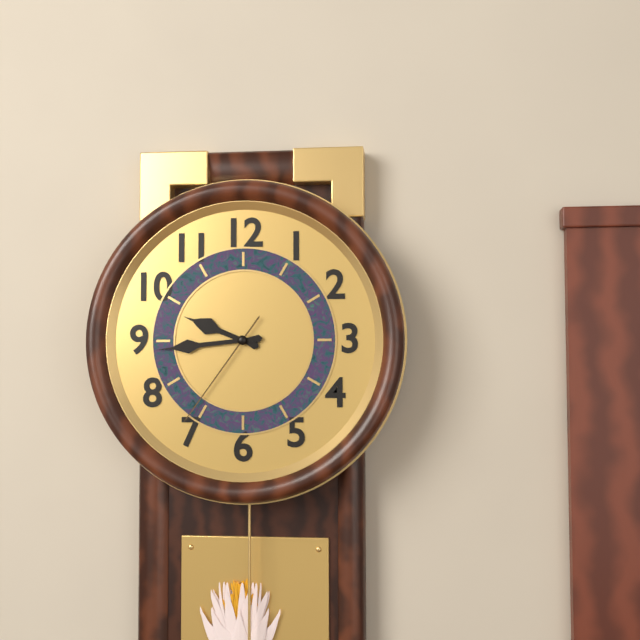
9:44:36
